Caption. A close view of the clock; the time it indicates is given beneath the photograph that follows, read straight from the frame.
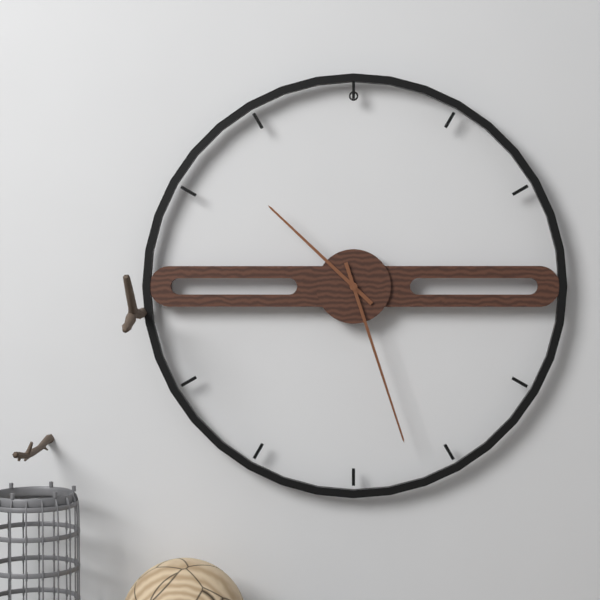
10:27
